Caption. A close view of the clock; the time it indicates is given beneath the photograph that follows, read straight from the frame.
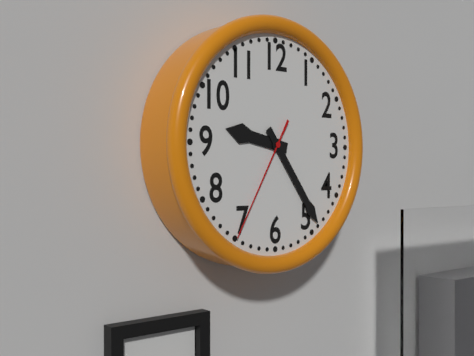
9:24:35
